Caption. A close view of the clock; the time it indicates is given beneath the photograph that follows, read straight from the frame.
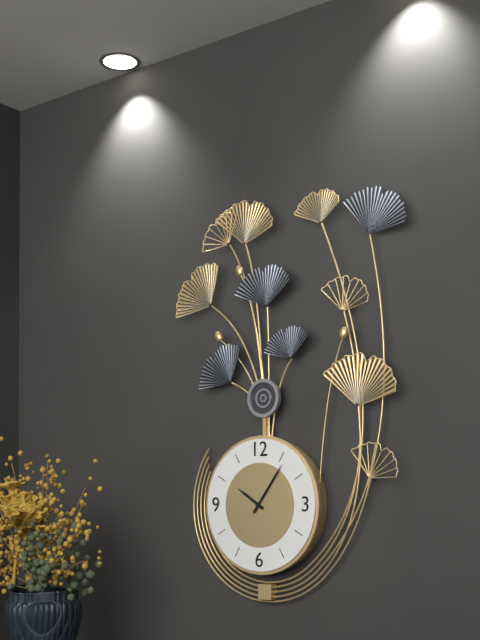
10:06
